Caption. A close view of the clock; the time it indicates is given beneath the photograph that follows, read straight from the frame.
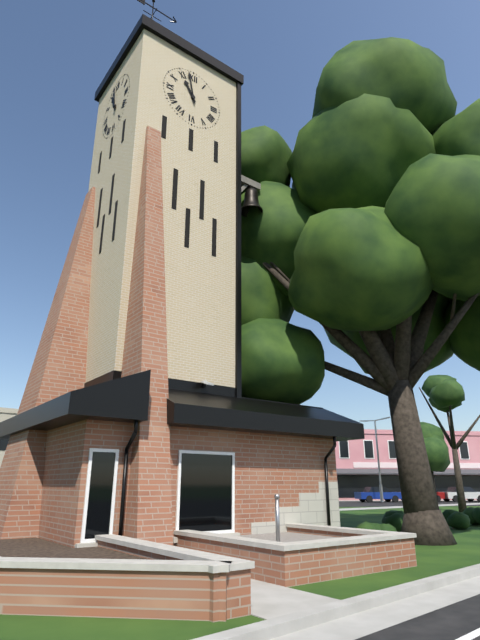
10:58
